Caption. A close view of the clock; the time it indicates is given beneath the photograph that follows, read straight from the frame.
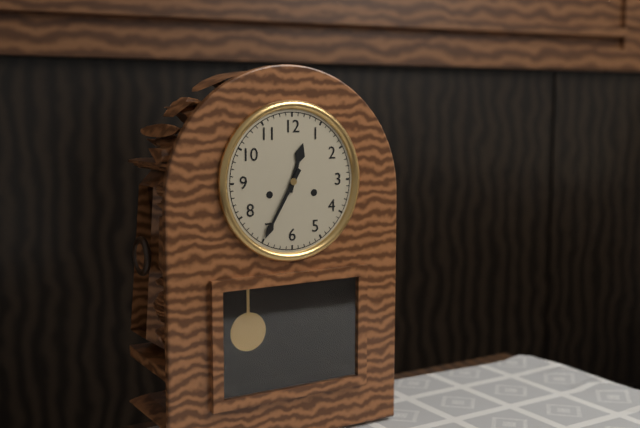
12:35
